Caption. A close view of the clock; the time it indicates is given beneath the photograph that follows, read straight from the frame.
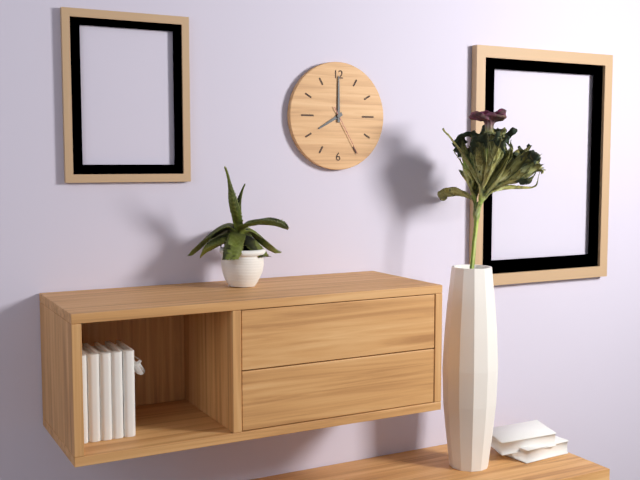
8:00:25
